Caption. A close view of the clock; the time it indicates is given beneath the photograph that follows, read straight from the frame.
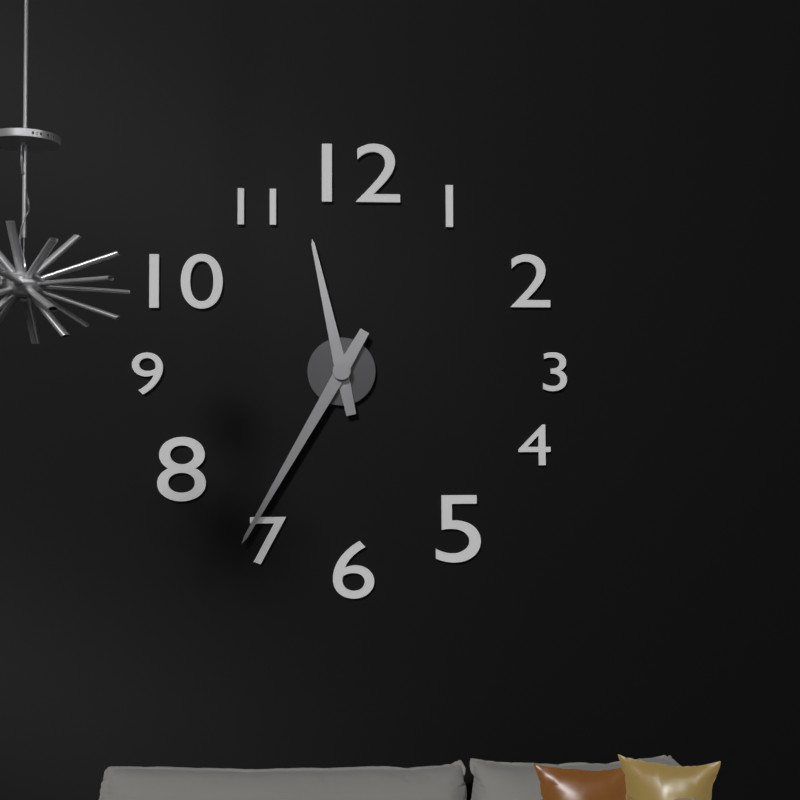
11:35
